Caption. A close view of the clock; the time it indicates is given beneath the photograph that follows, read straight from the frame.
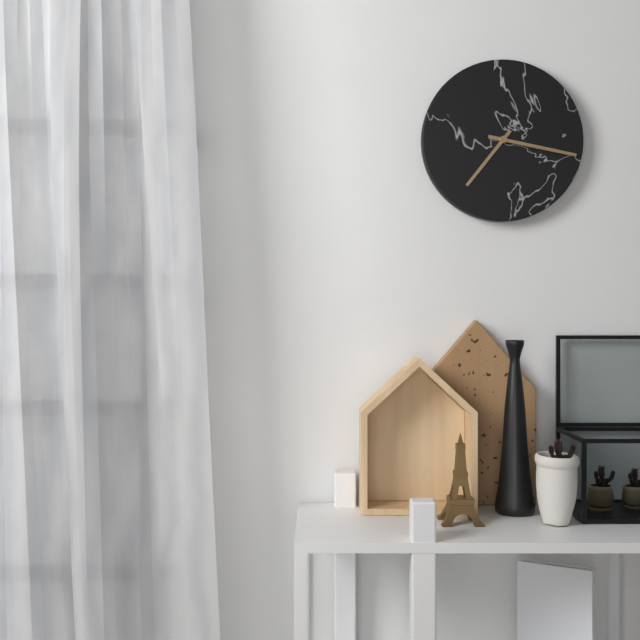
7:17
